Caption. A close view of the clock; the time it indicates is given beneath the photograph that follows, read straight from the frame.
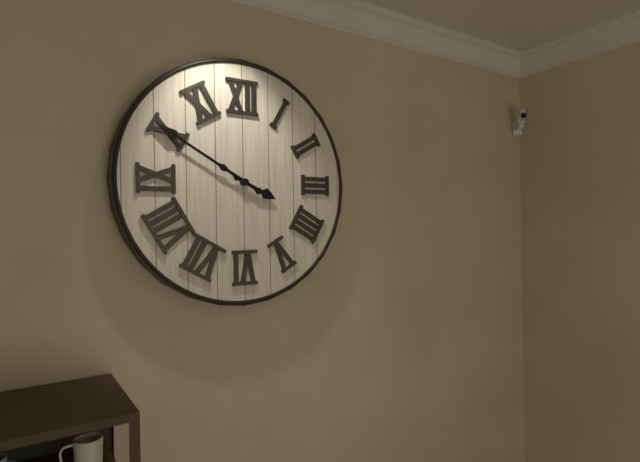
3:50
